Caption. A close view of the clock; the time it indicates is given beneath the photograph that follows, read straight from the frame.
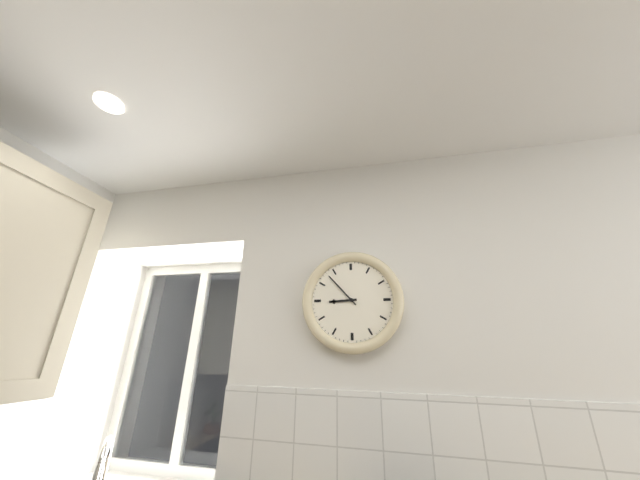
8:53
